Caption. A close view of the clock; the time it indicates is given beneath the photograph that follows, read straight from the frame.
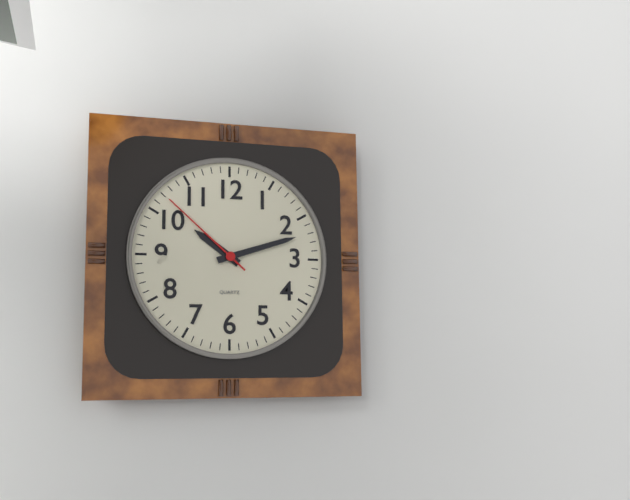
10:12:52
